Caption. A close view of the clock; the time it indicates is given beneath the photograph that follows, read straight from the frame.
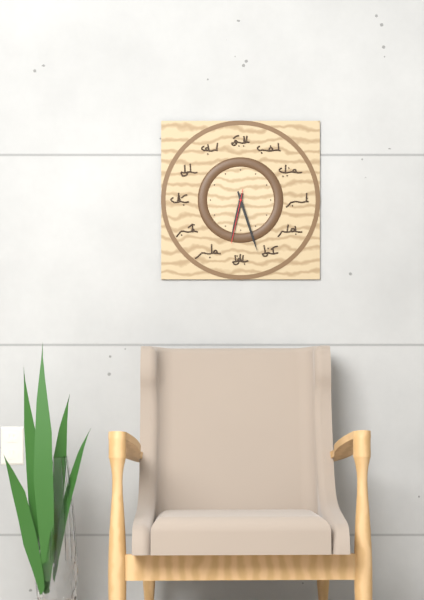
6:27:32
